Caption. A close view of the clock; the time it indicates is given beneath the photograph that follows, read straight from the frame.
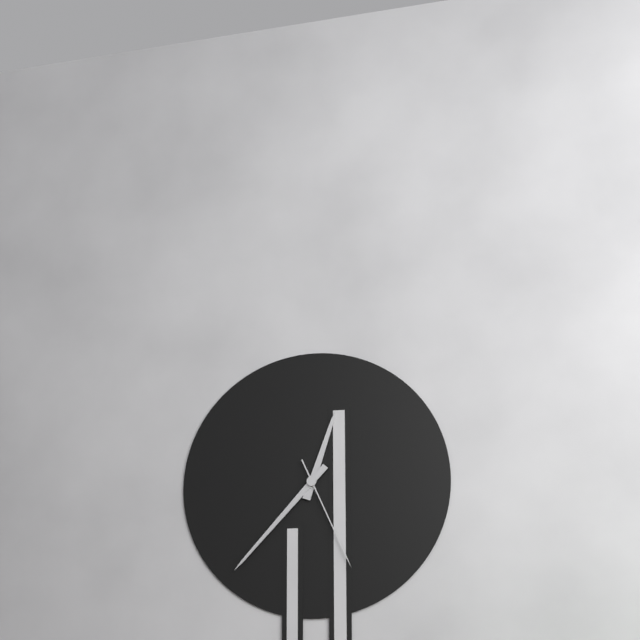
12:37:26
